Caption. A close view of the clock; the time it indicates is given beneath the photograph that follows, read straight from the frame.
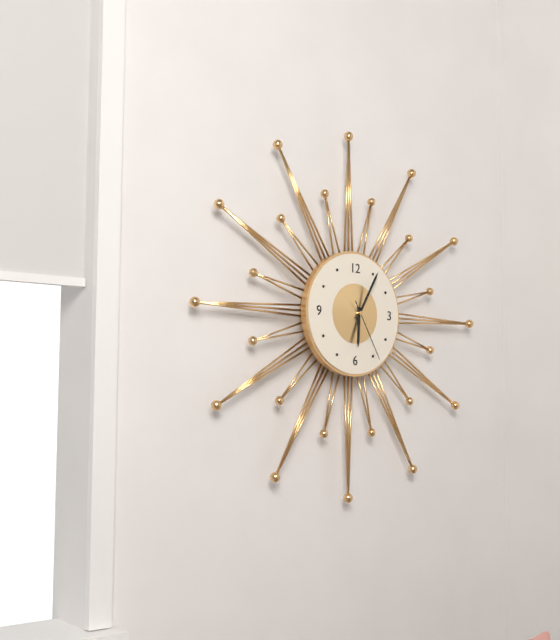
6:05:25
